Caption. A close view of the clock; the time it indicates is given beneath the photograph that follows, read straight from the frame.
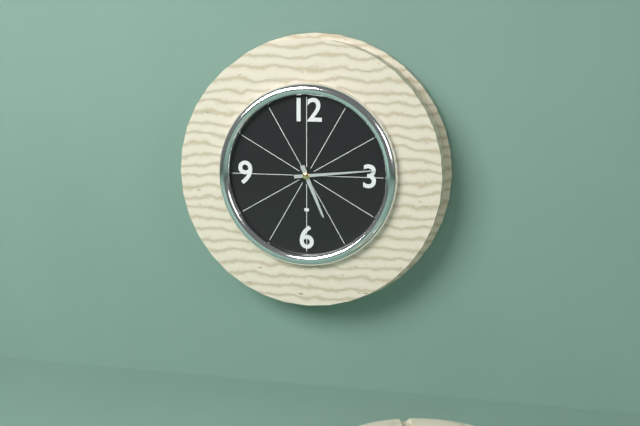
5:14
